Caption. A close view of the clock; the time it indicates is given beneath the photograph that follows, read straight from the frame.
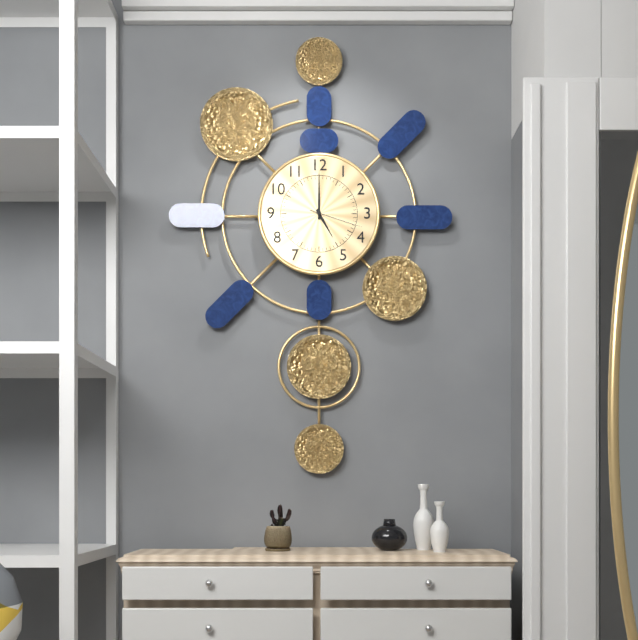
5:00:18
